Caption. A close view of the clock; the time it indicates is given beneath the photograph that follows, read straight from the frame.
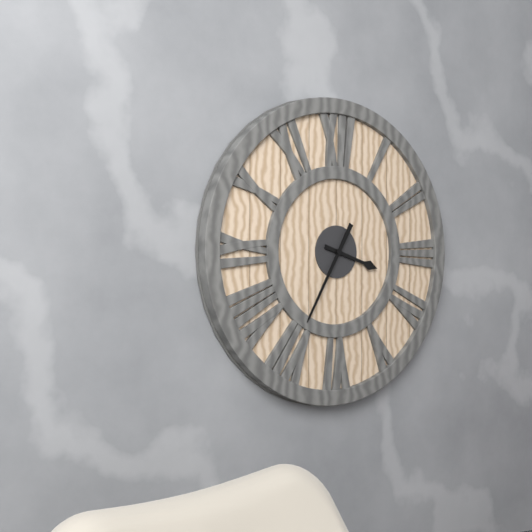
3:35
